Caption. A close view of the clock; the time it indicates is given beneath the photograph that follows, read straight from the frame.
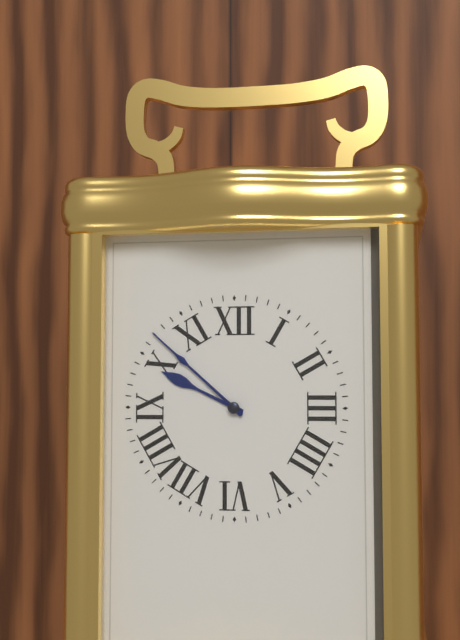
9:52
